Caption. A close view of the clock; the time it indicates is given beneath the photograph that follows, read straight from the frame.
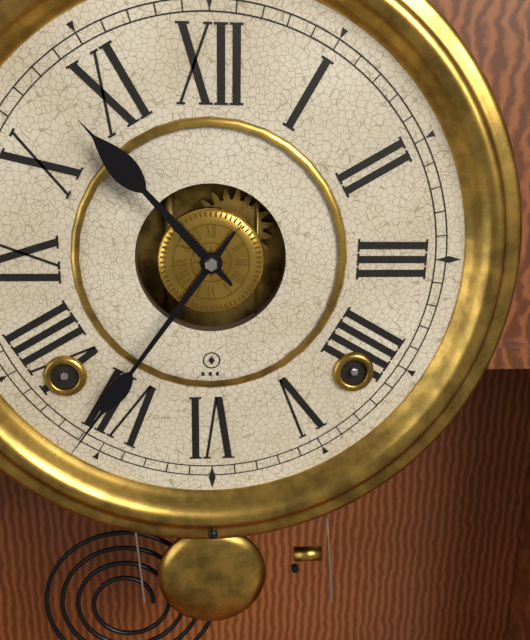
10:36
